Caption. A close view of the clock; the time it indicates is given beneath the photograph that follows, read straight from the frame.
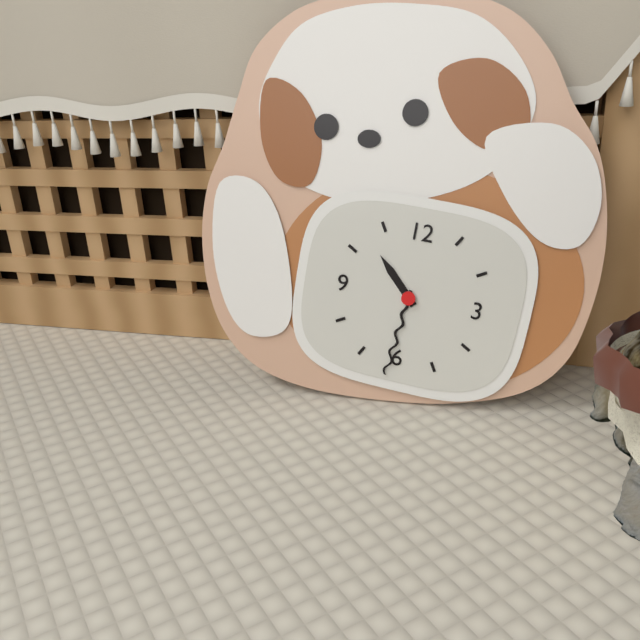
10:31
